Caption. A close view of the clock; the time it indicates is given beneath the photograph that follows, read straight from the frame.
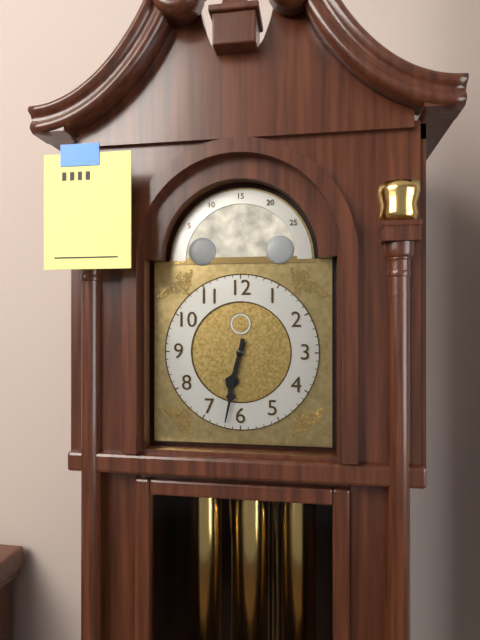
6:32
